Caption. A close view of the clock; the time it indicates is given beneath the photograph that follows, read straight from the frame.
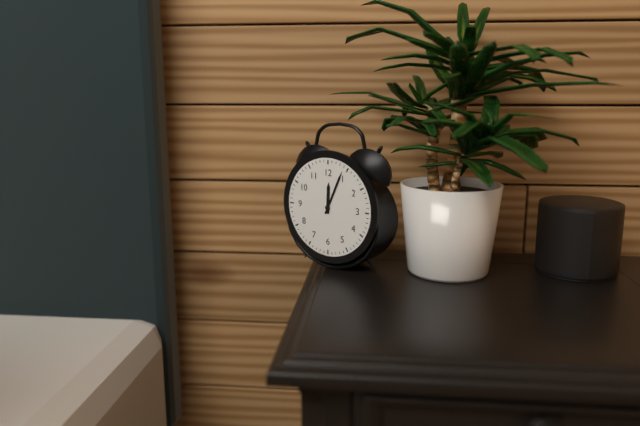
12:04
